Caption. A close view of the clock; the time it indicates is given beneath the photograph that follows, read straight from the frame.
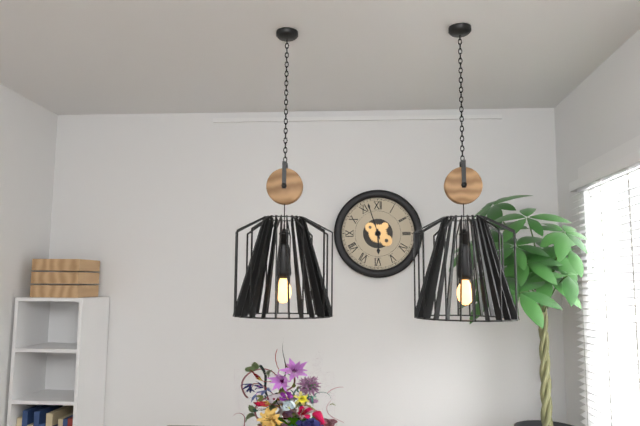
5:57
